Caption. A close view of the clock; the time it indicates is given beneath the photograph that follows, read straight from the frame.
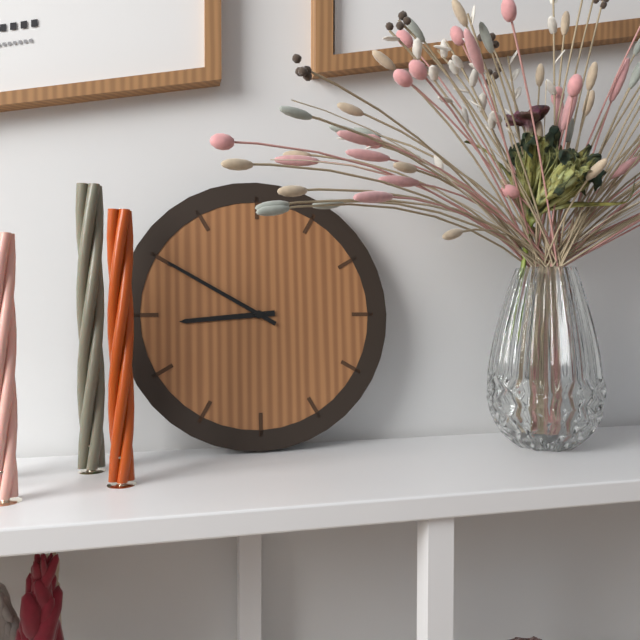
8:50
